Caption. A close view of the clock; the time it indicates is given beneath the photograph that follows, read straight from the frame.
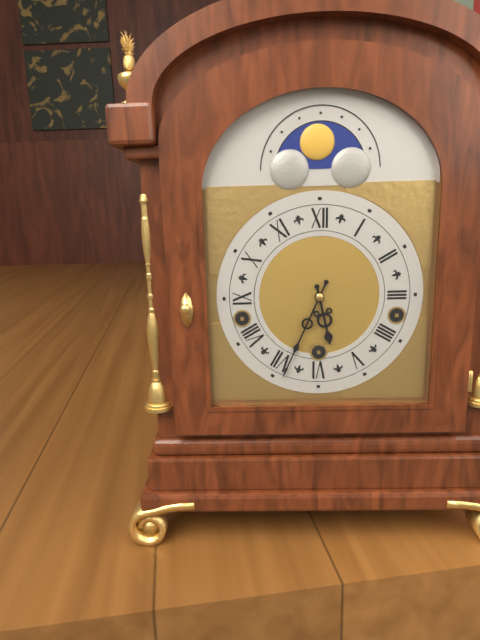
5:34
